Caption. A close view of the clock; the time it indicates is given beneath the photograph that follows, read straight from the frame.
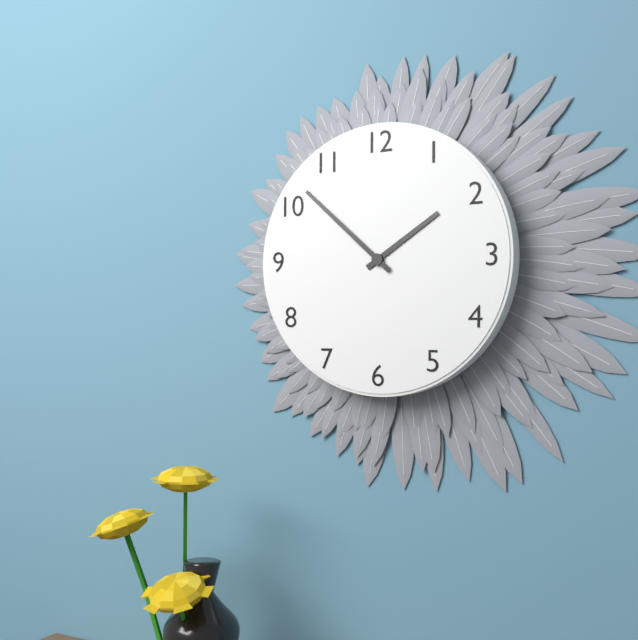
1:52
